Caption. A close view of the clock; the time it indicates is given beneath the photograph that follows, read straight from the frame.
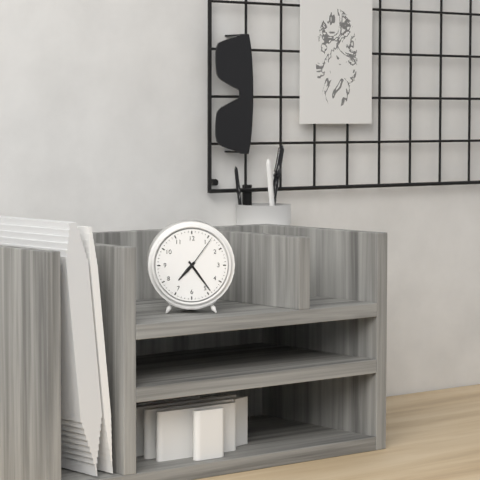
7:24
